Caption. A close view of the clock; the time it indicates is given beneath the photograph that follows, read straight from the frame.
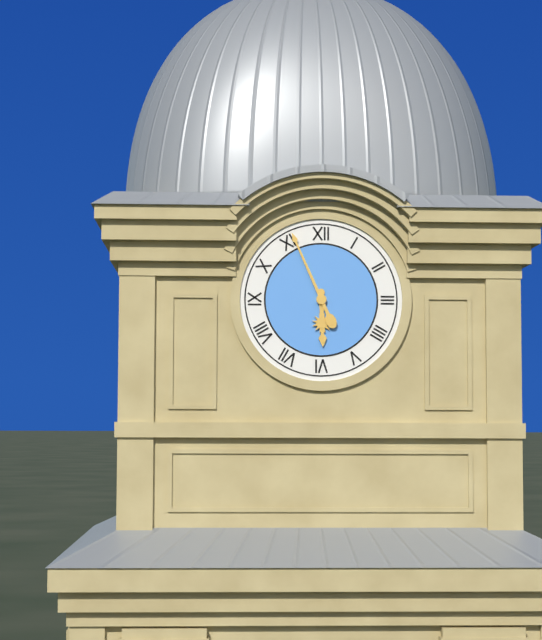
5:56
